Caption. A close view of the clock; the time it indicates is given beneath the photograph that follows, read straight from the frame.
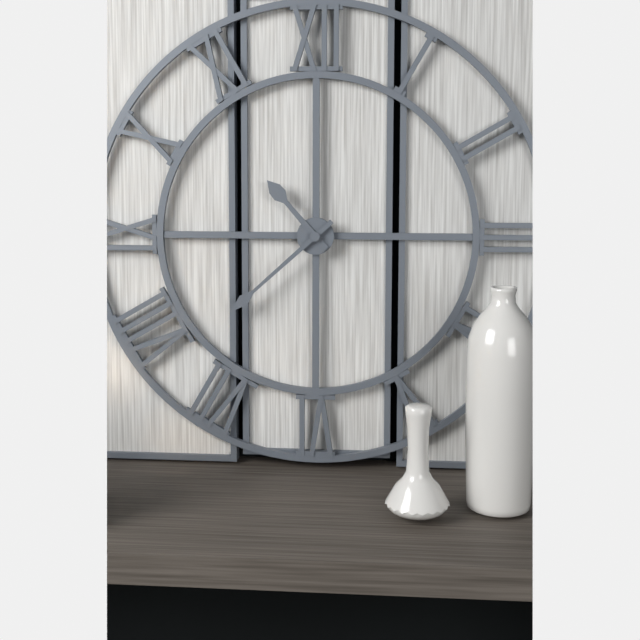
10:38
